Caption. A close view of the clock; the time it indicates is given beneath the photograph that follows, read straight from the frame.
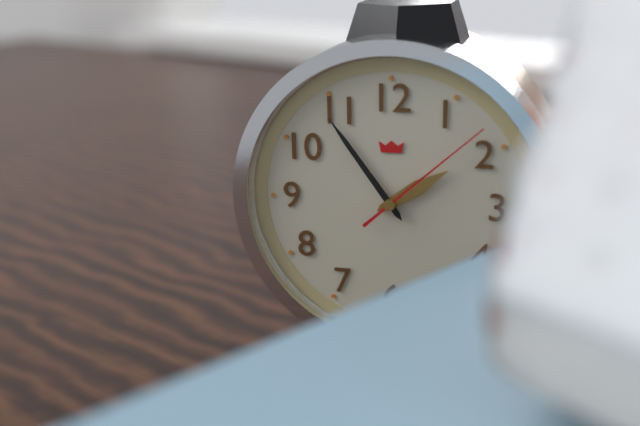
1:54:08
